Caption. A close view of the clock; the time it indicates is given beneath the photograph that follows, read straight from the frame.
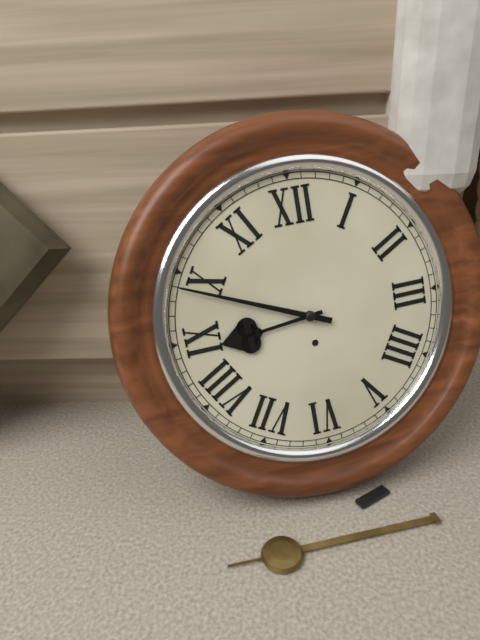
8:49
